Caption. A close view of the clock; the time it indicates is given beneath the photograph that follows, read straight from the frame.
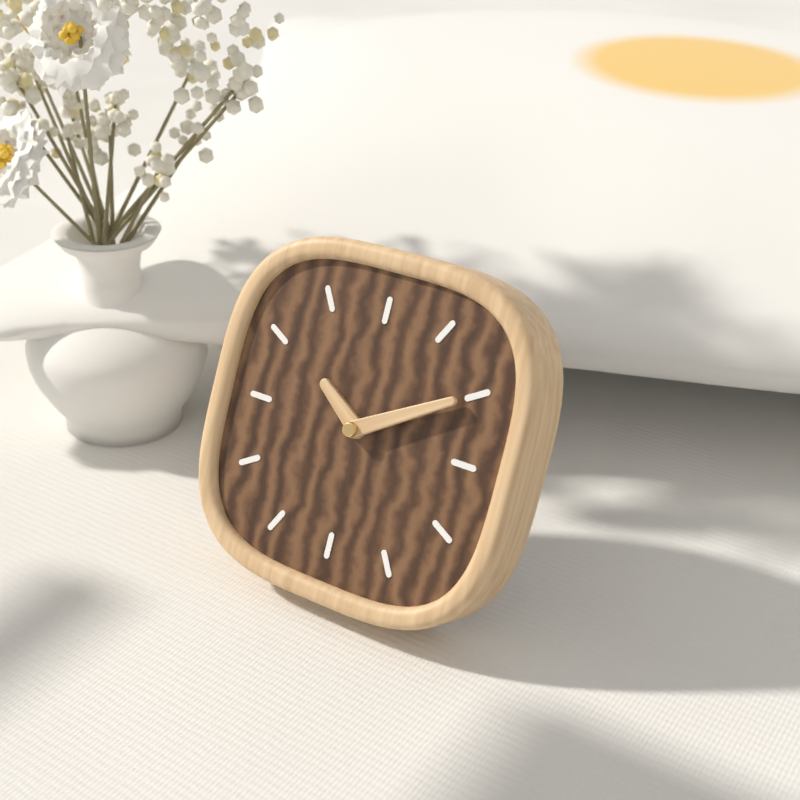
10:10
